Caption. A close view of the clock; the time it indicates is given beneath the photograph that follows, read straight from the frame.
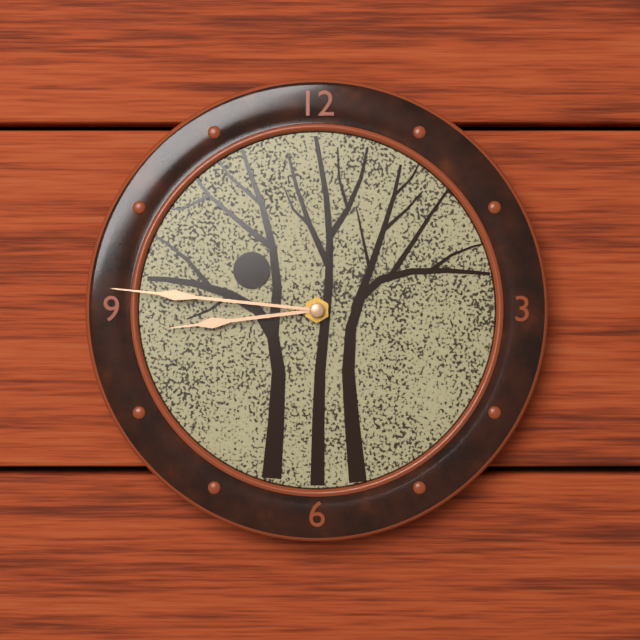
8:46
